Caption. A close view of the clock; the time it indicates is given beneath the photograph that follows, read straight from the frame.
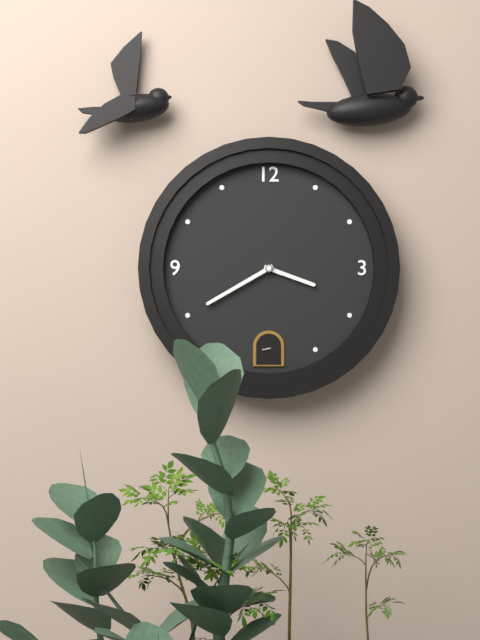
3:40
